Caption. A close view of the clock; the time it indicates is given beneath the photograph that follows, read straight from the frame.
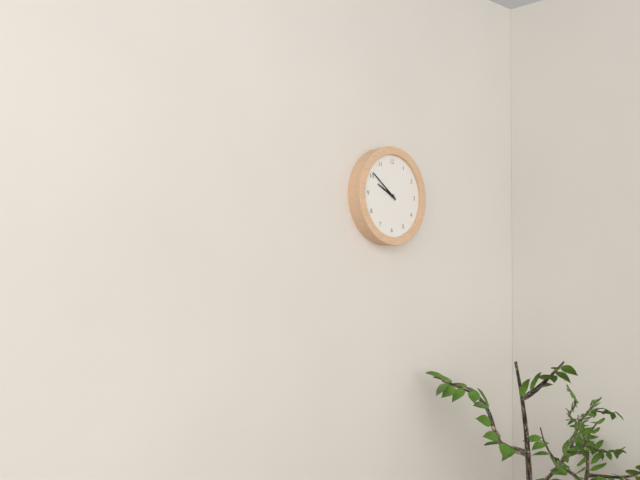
9:51
